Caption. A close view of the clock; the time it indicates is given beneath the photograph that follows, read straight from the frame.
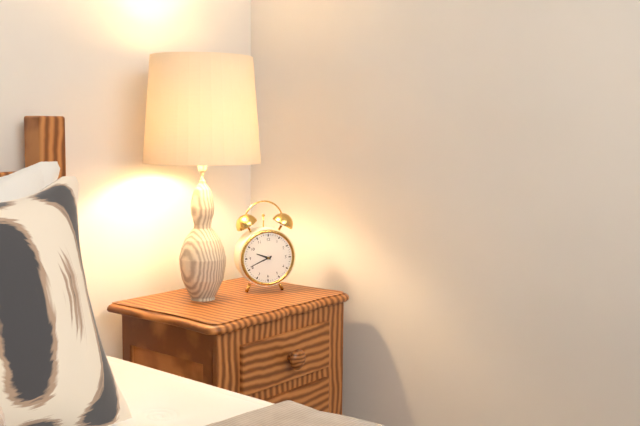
9:41
